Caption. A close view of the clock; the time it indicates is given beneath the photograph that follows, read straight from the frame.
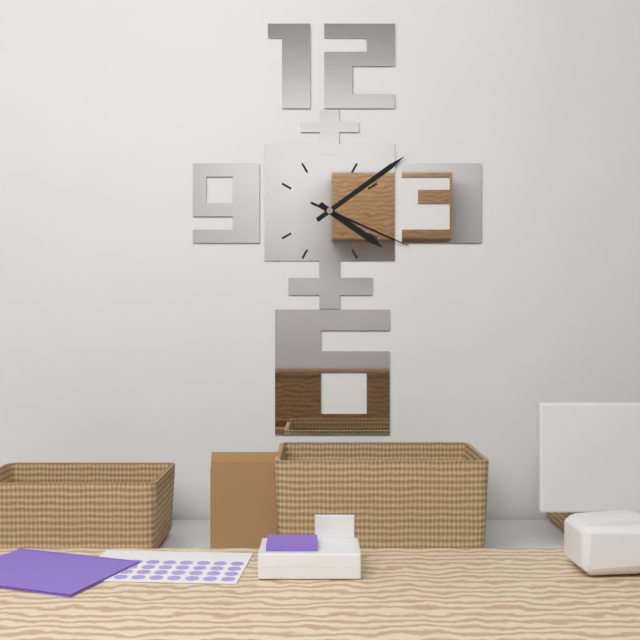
4:09:19
